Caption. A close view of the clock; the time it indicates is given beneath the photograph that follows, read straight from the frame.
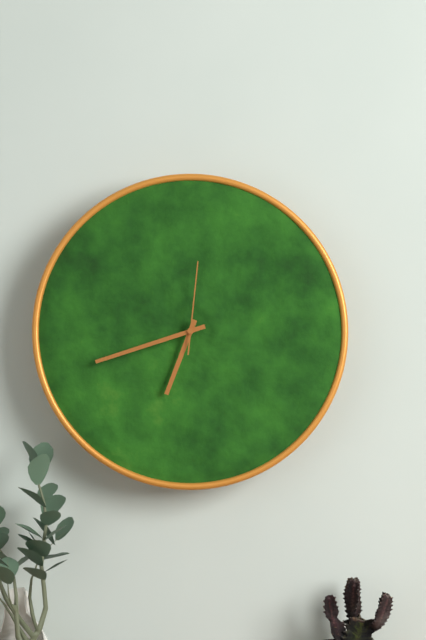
6:42:01
